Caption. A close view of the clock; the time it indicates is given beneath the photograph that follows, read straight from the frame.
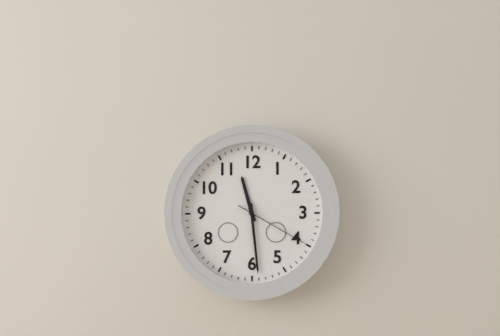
11:29:20
